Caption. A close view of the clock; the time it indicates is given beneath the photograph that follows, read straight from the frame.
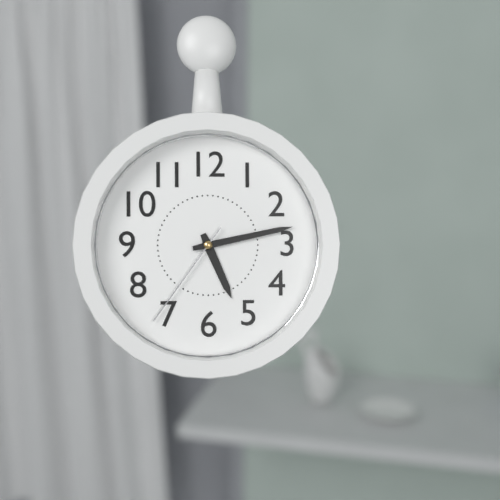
5:13:36
